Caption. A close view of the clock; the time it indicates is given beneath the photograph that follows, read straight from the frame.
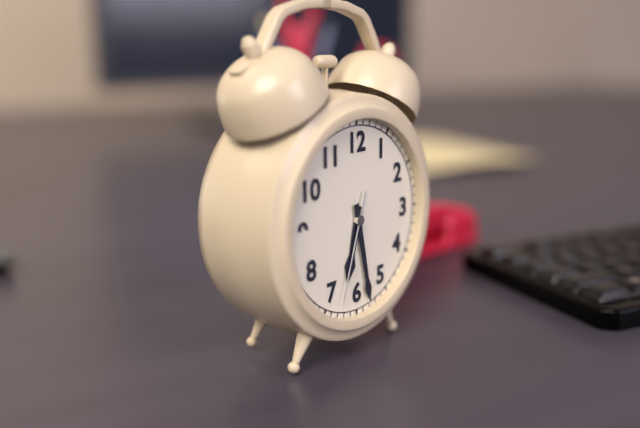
6:28:33
